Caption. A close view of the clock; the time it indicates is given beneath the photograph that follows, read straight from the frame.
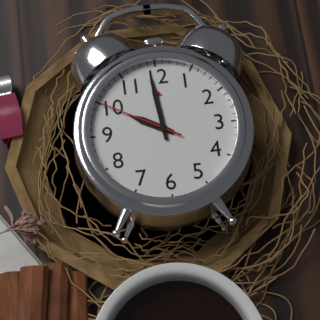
9:59:50
